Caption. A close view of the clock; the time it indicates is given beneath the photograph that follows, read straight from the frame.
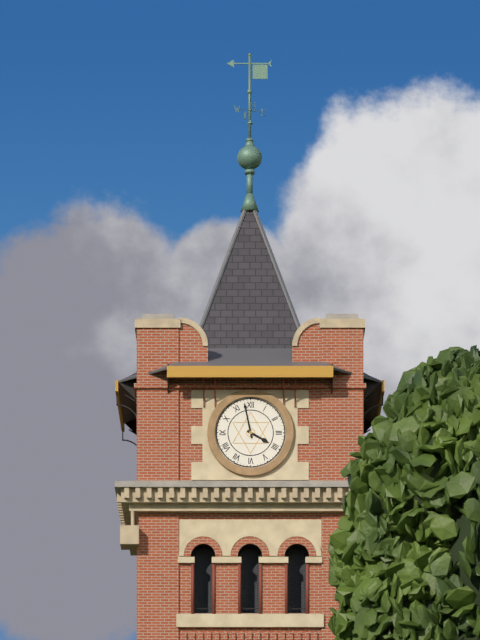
3:58
